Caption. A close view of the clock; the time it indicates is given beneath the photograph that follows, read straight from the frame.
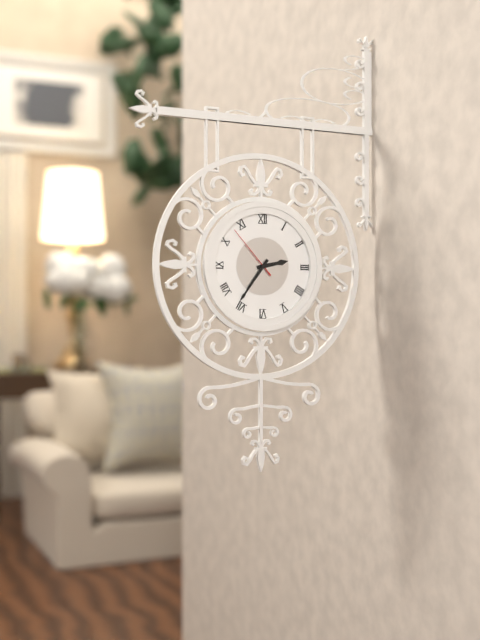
2:36:53
